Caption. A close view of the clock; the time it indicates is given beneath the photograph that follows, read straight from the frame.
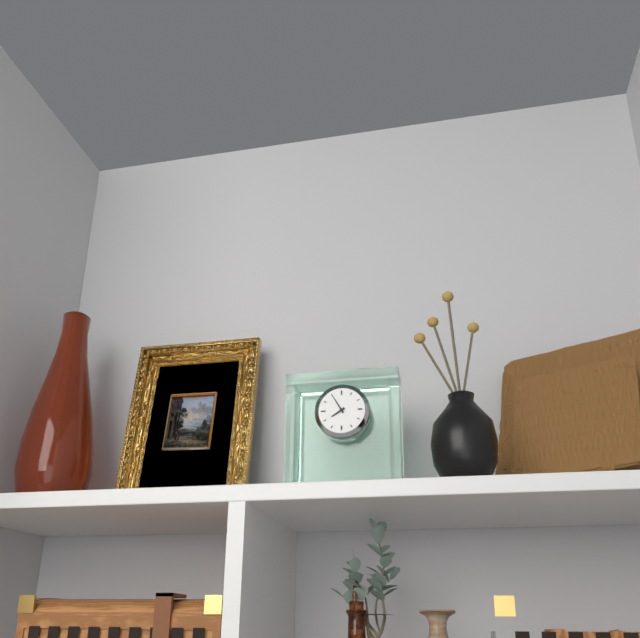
7:55
